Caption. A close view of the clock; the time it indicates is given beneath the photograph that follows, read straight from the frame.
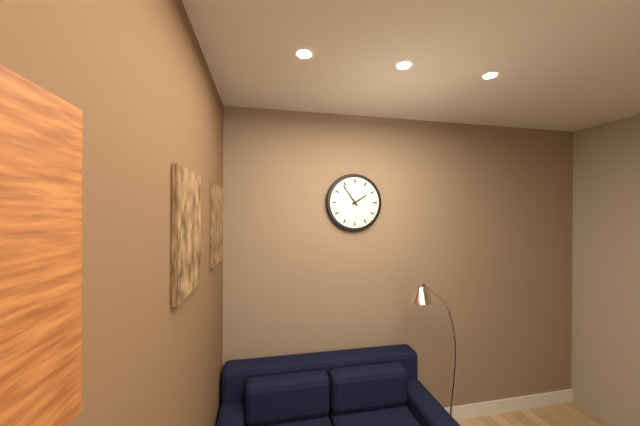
1:54
